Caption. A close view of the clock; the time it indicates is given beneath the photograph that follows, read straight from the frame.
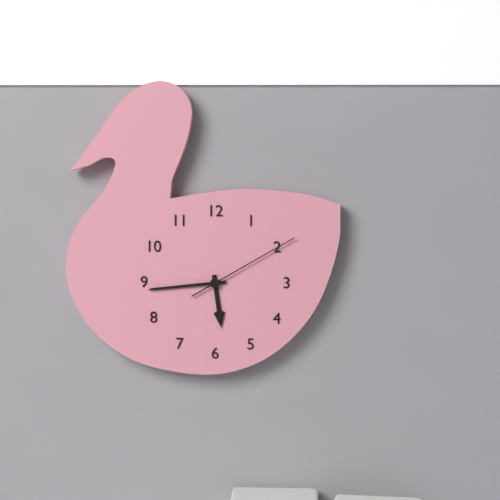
5:44:10
